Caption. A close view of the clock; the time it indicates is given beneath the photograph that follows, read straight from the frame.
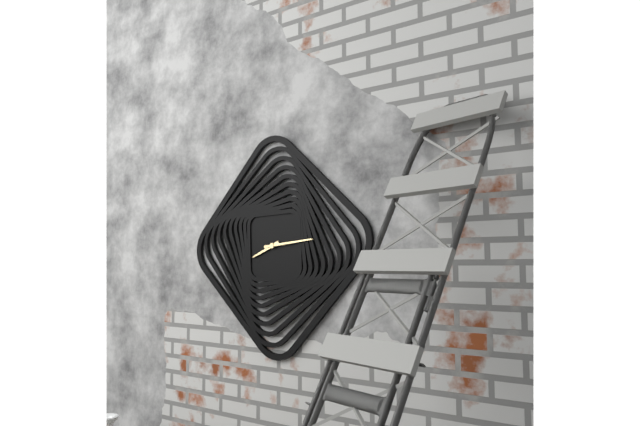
8:14
